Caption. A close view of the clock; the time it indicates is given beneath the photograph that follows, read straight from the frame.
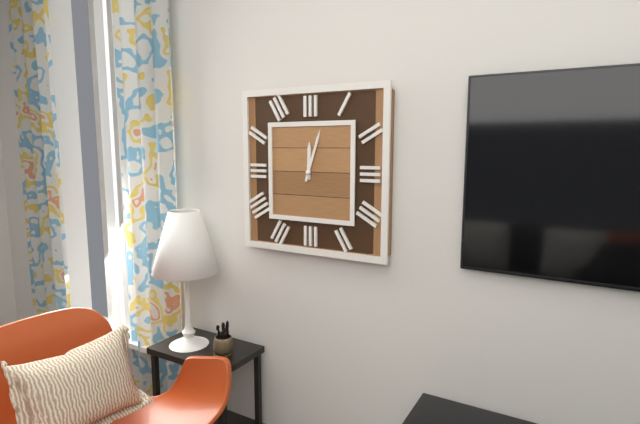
12:03
